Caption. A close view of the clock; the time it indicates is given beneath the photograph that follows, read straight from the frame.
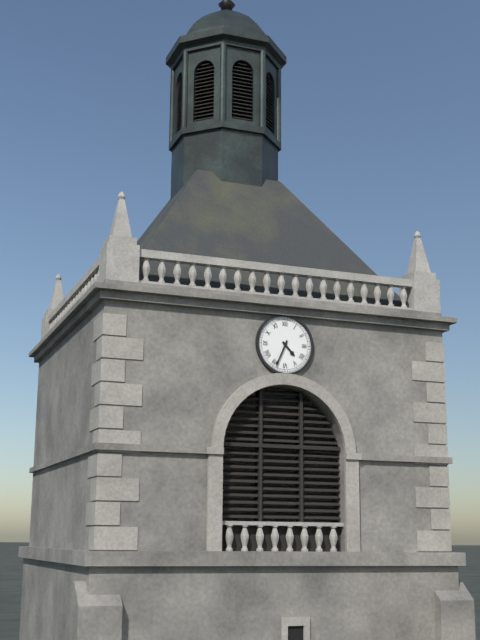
4:34
